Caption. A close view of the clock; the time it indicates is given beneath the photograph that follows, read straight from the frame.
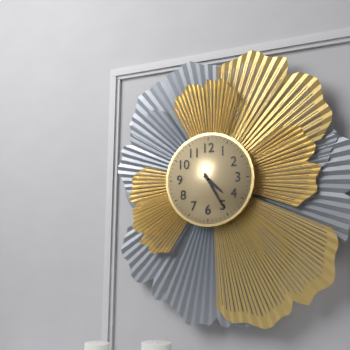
4:25
